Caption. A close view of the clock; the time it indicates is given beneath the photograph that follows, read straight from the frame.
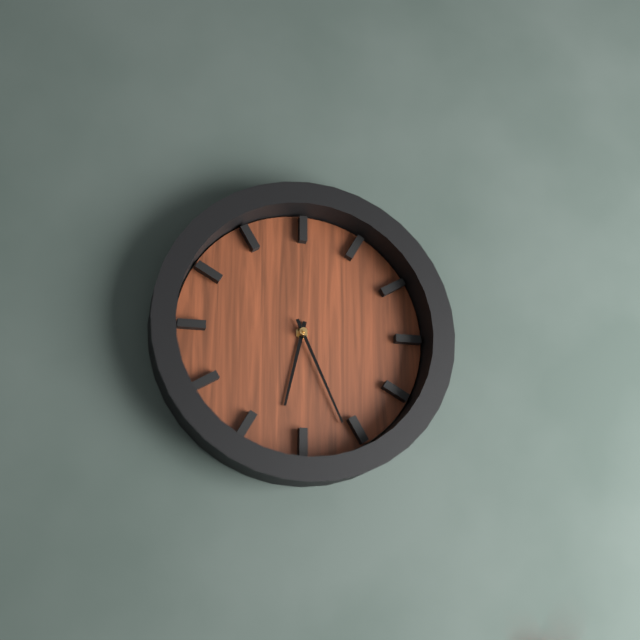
6:26
